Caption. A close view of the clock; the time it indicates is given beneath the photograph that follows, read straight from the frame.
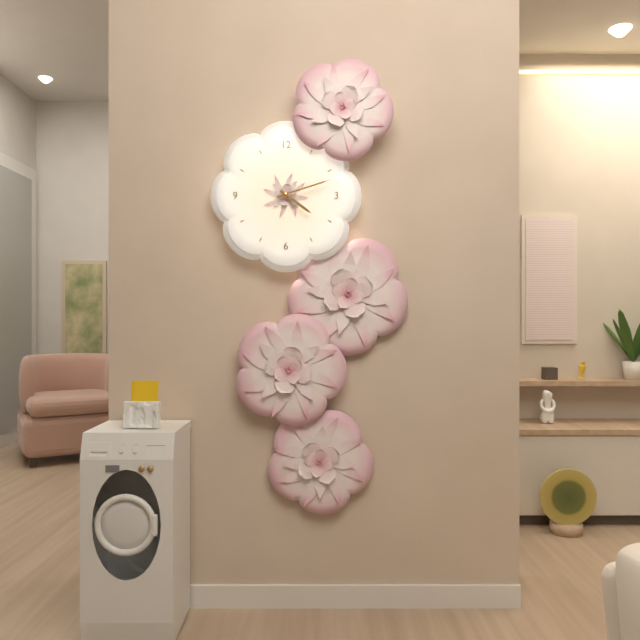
4:12
